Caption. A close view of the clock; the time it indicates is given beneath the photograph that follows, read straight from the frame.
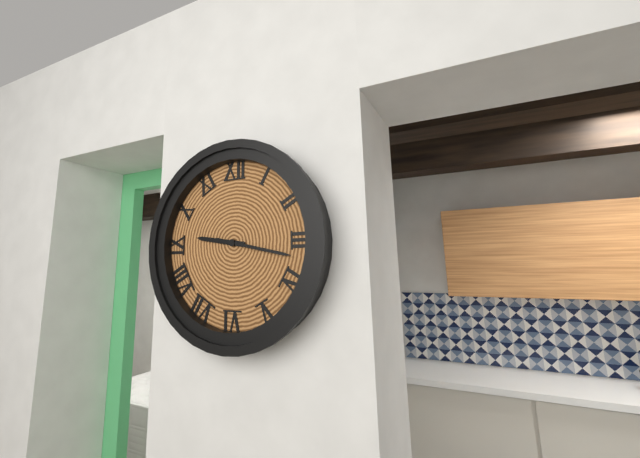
9:17
